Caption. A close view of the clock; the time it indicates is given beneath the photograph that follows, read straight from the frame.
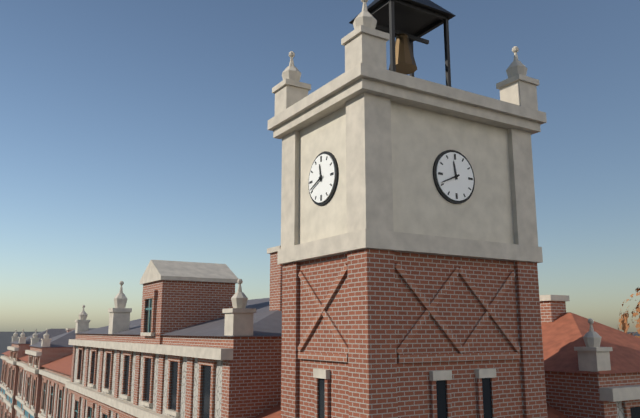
11:41
